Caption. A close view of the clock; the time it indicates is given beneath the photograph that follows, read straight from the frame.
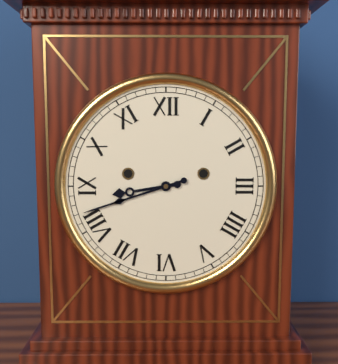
8:42
